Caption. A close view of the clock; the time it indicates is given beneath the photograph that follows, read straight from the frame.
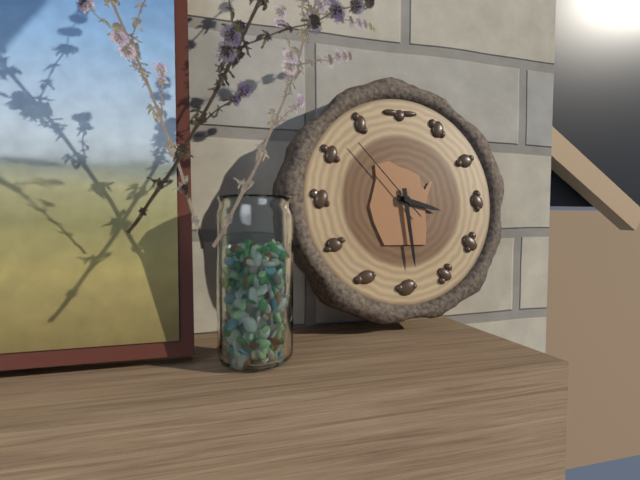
3:29:53
